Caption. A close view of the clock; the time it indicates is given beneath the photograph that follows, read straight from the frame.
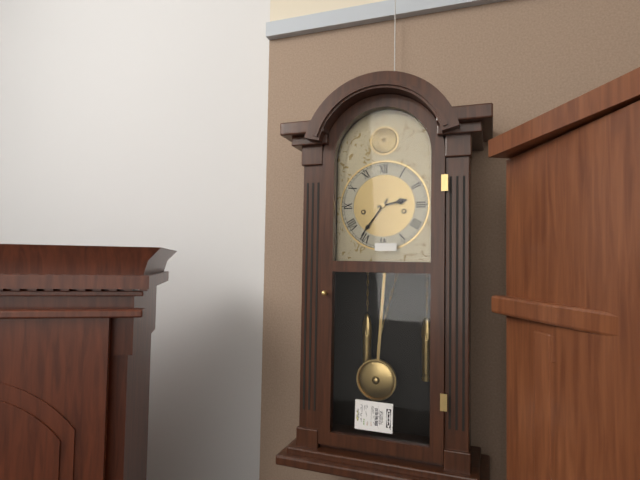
2:36
